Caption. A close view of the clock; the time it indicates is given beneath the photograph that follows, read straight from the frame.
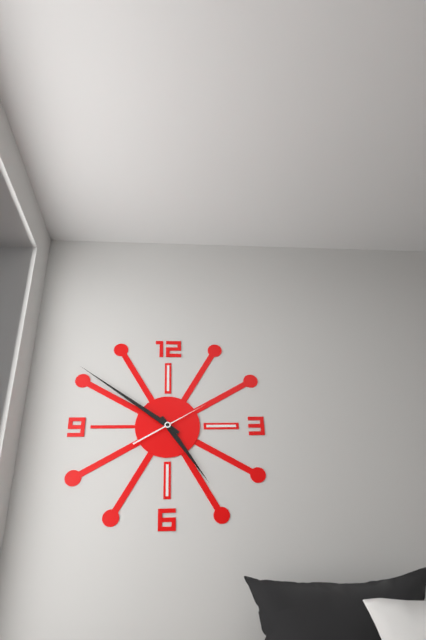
4:51:10
